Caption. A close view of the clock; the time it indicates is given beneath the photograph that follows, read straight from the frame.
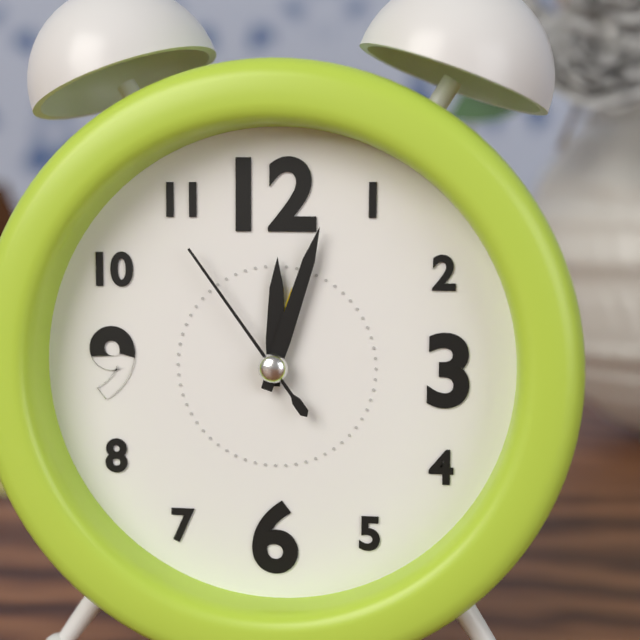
12:03:54
